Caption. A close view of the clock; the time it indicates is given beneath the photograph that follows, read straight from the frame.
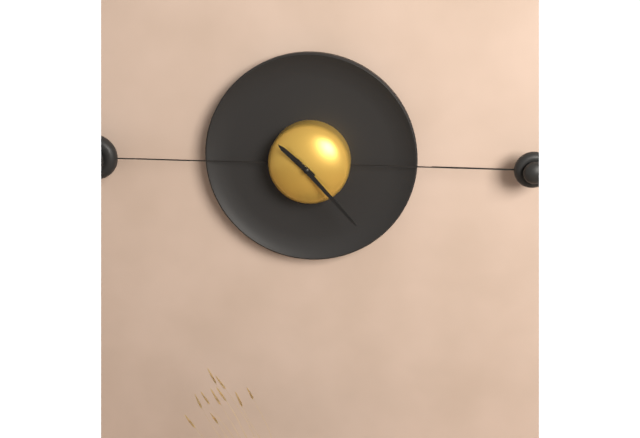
10:23
